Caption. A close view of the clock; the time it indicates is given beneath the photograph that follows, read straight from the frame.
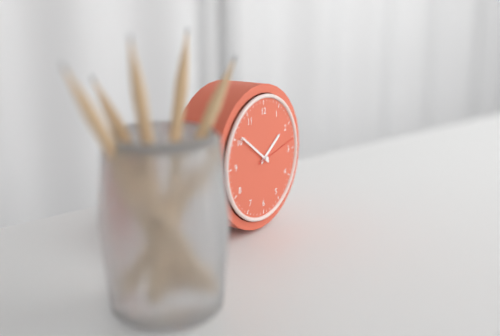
1:51
